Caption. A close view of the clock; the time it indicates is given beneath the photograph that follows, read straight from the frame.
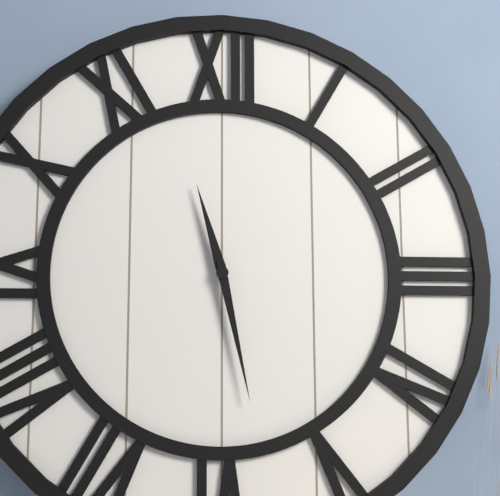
11:28
